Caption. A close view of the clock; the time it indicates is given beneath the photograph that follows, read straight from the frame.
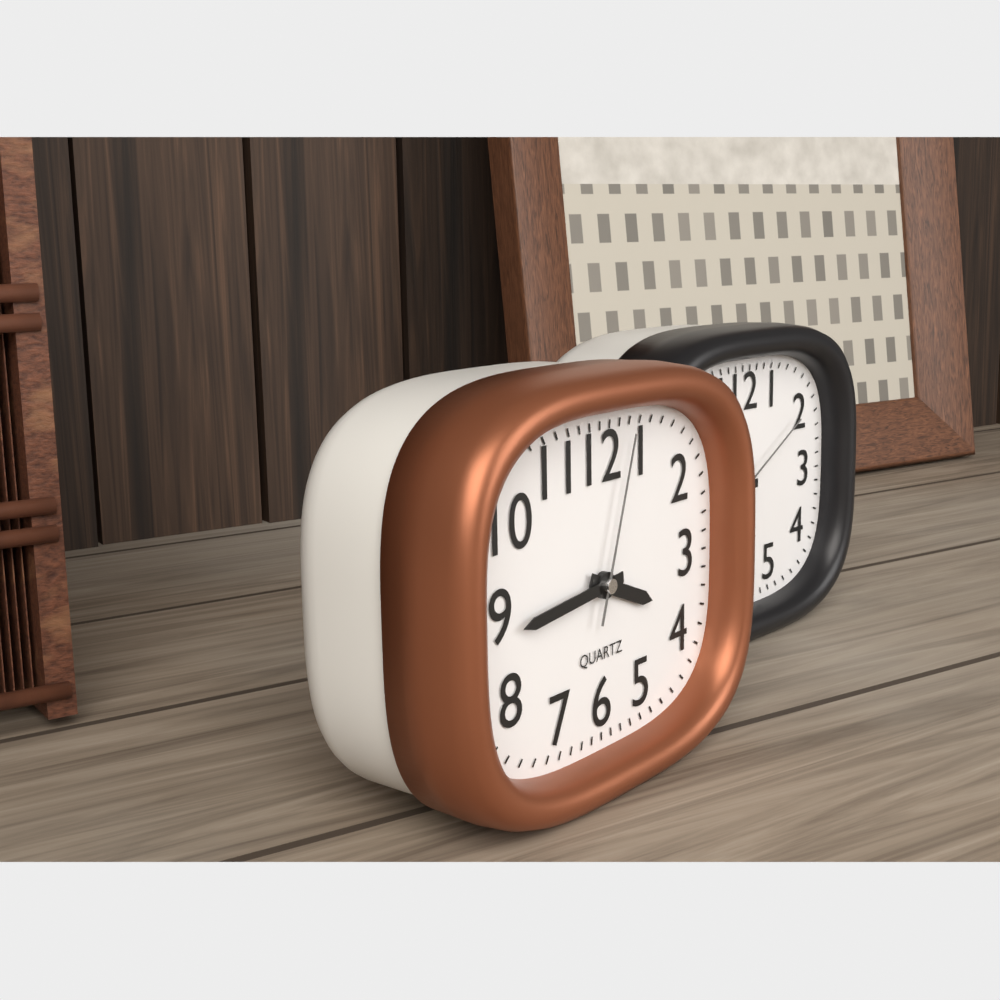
3:44:03
